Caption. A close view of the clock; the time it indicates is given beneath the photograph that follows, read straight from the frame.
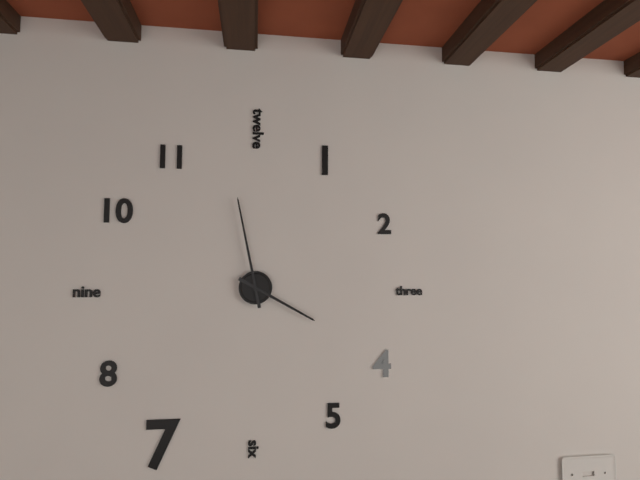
3:58
